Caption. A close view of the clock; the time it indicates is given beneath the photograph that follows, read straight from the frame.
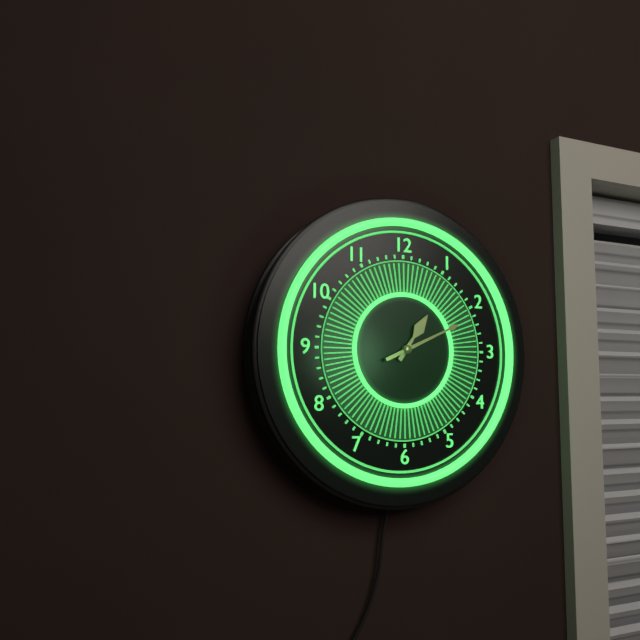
1:11
